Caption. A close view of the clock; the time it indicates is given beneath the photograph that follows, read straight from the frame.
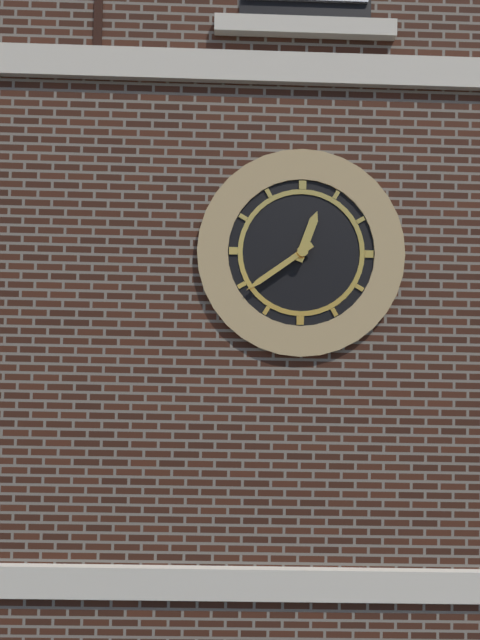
12:39
